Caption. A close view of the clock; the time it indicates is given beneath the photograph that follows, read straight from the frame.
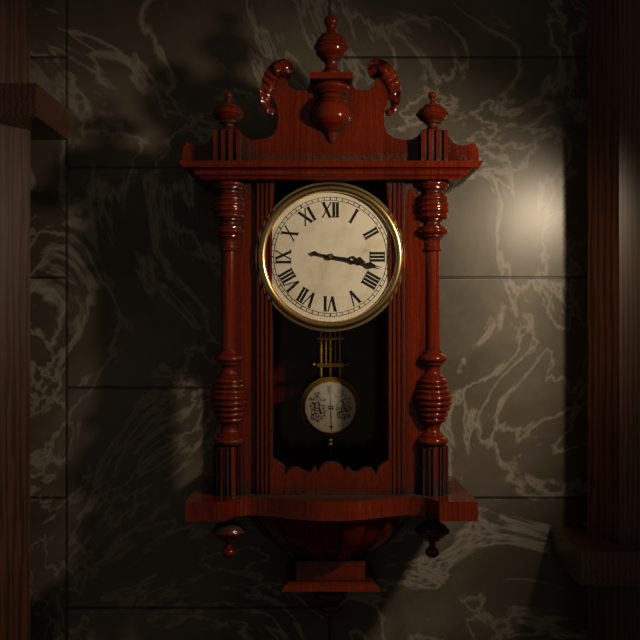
3:17
